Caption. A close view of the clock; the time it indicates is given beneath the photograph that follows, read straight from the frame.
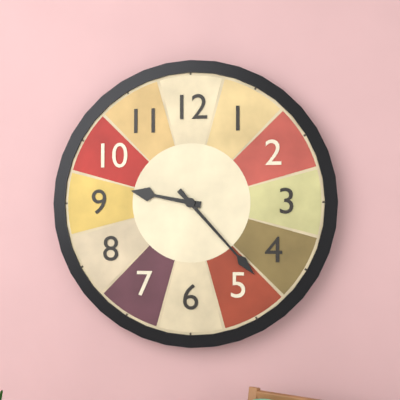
9:23
